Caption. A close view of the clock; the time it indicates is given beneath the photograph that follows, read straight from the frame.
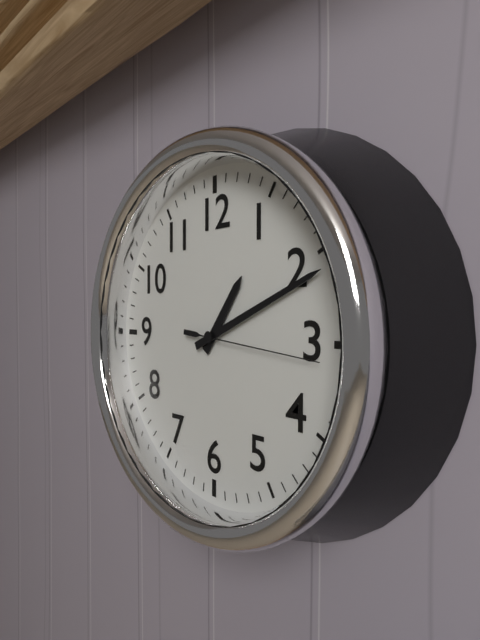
1:11:16
